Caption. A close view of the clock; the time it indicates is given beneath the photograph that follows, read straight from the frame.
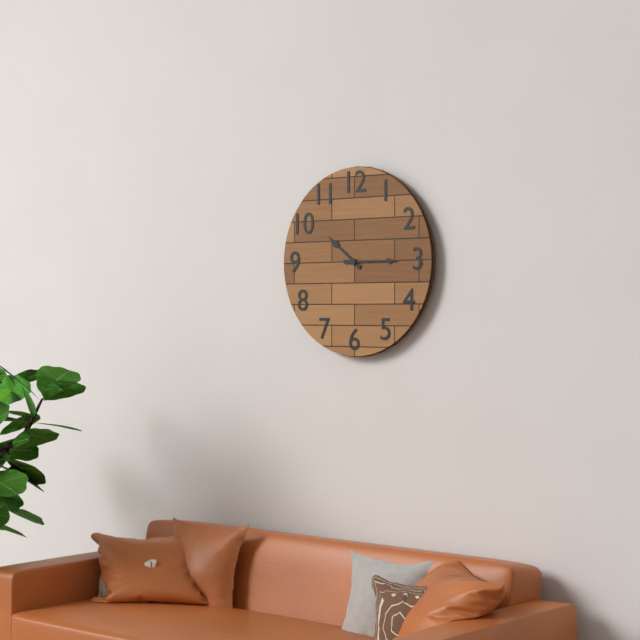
10:15
